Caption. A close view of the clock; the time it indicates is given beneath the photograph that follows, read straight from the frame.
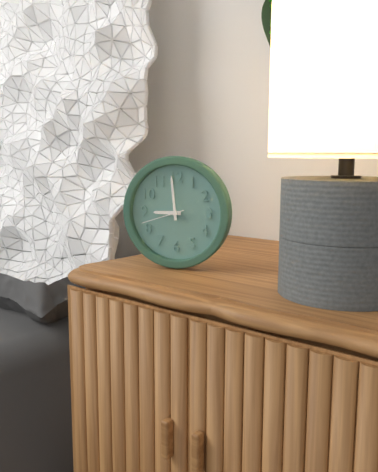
8:59
